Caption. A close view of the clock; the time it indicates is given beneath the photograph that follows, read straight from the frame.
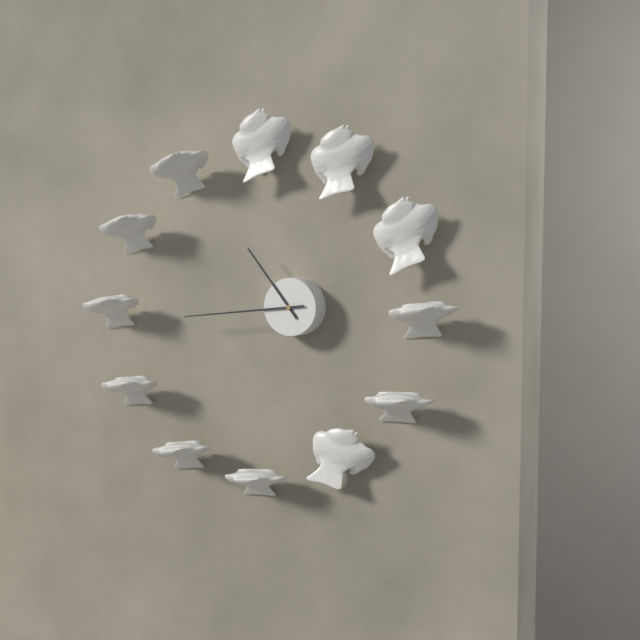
10:44
